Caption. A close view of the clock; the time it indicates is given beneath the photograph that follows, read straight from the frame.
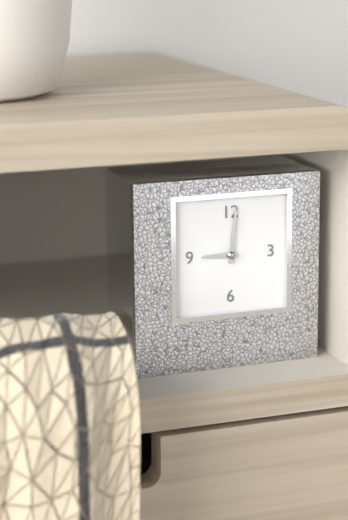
9:01
